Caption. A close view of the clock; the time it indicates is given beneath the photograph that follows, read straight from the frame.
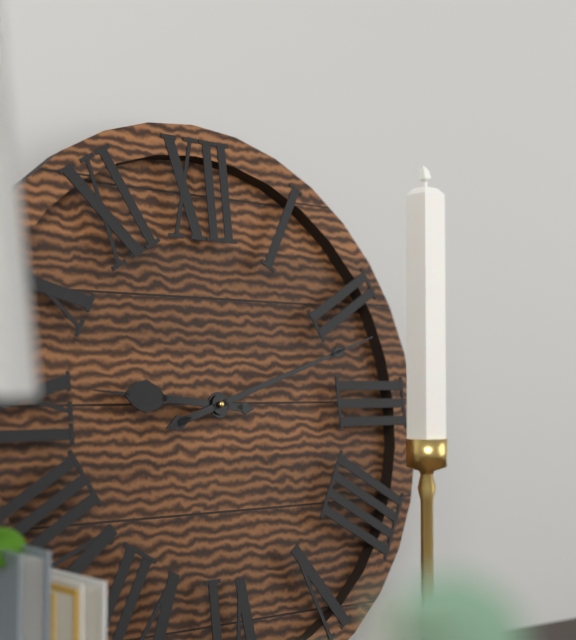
9:12
